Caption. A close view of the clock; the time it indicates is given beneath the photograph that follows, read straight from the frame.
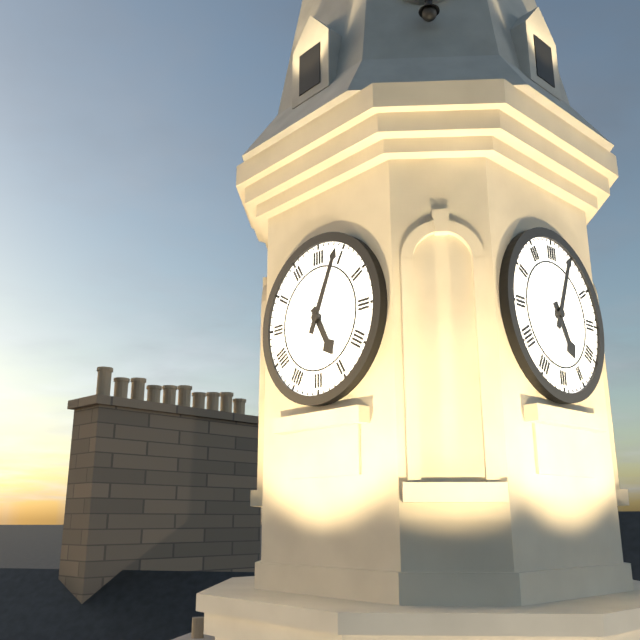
5:04
